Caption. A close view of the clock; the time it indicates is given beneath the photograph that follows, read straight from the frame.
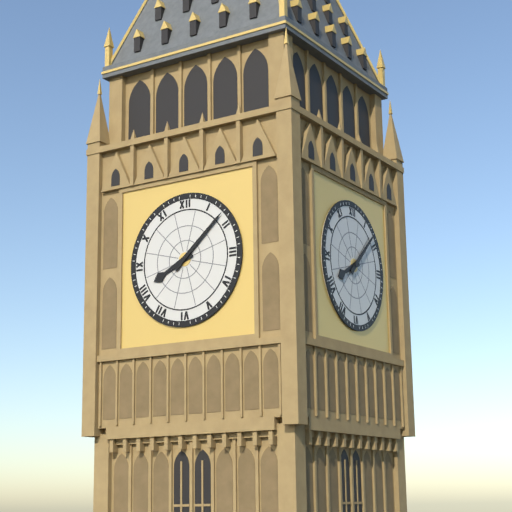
8:08
